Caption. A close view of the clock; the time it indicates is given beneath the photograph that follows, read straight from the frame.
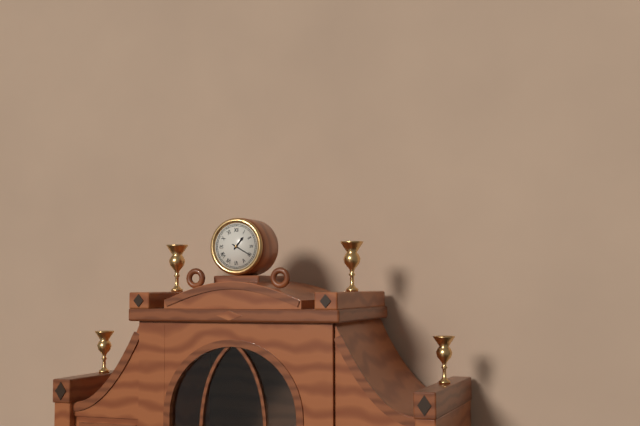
1:20
